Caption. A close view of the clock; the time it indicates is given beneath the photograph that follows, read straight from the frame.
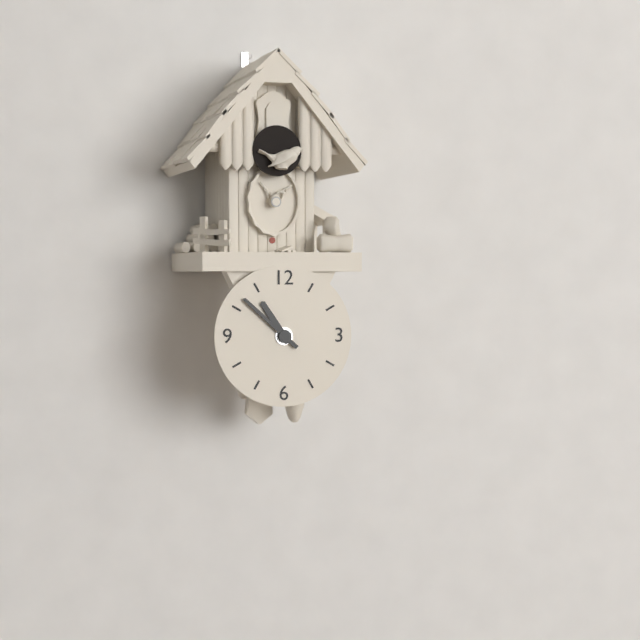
10:52
